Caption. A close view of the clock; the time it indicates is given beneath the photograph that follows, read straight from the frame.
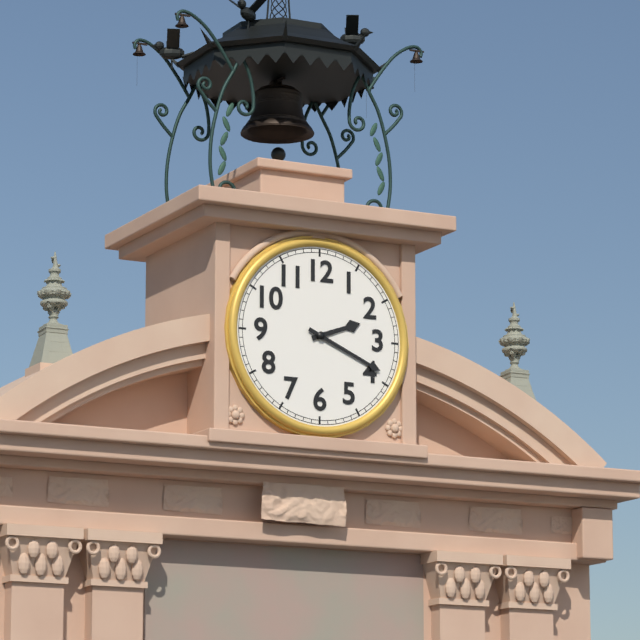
2:19
